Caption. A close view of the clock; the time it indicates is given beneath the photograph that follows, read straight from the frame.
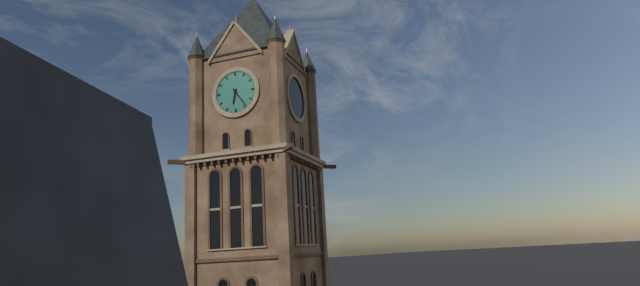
6:24
